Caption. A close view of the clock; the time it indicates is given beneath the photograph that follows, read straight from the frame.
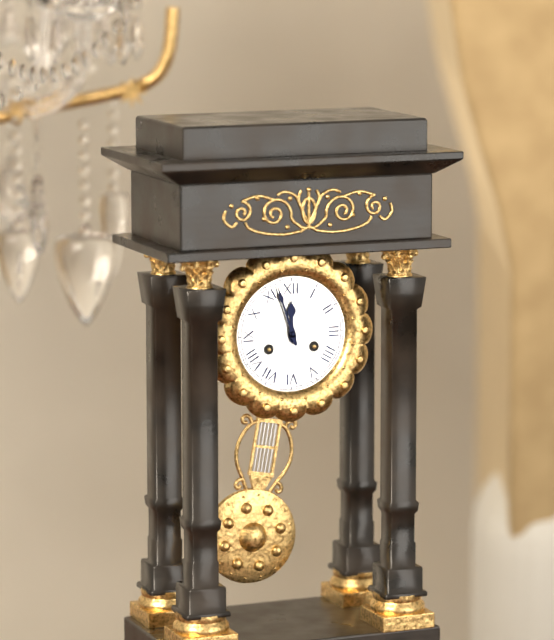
11:57
